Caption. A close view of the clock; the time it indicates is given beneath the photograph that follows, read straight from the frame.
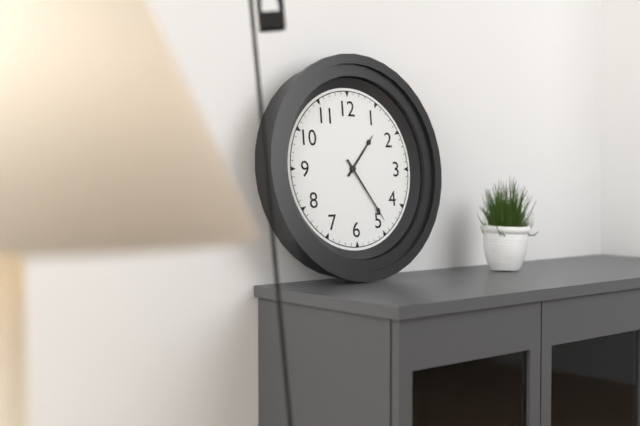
1:24
